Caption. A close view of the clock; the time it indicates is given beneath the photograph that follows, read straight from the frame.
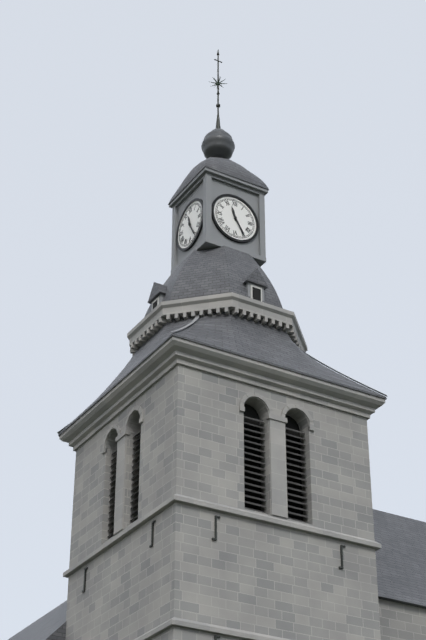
11:25
